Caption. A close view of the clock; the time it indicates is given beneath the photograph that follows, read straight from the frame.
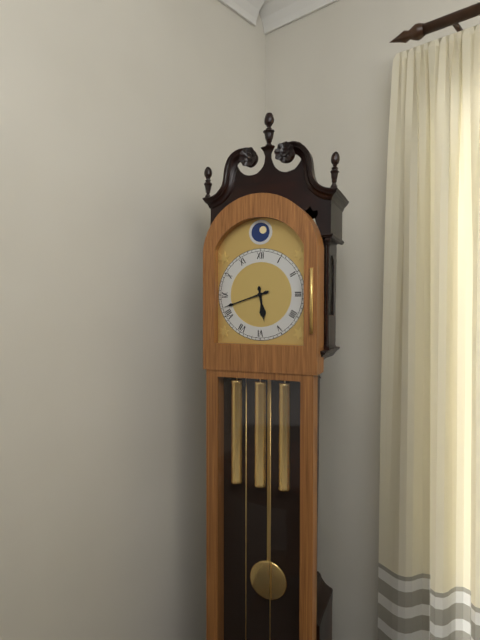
5:42
